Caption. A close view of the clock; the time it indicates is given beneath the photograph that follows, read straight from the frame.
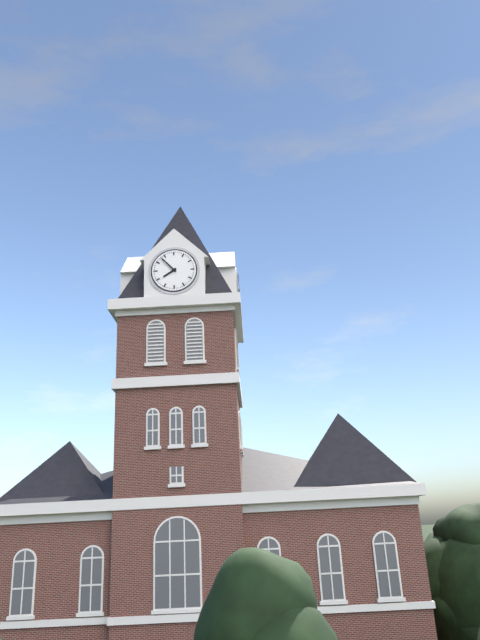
7:53
